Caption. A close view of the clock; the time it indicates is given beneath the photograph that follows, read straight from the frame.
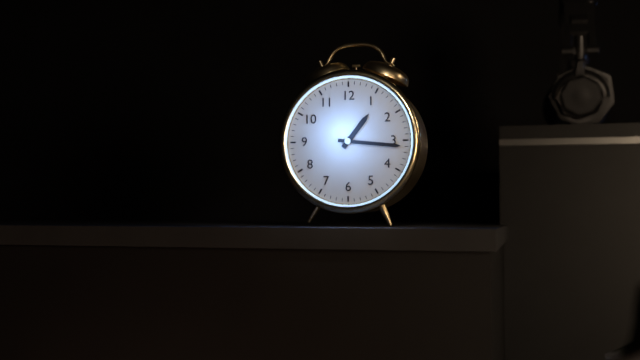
1:16
